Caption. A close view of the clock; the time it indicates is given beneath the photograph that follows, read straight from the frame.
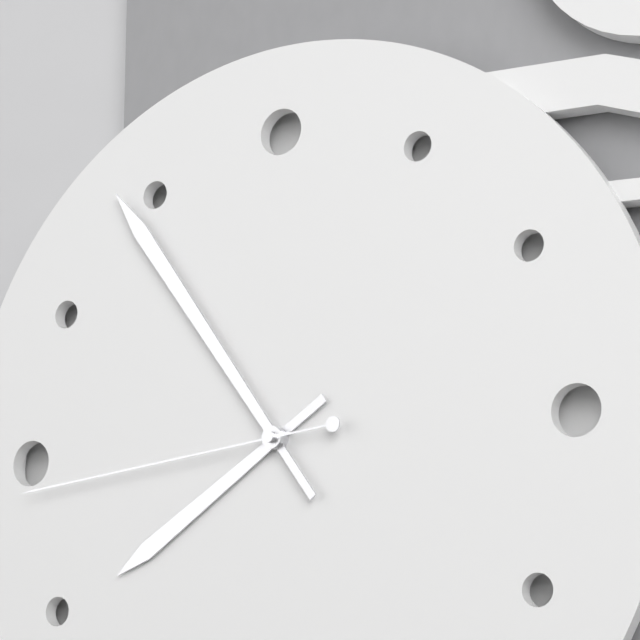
7:54:44
